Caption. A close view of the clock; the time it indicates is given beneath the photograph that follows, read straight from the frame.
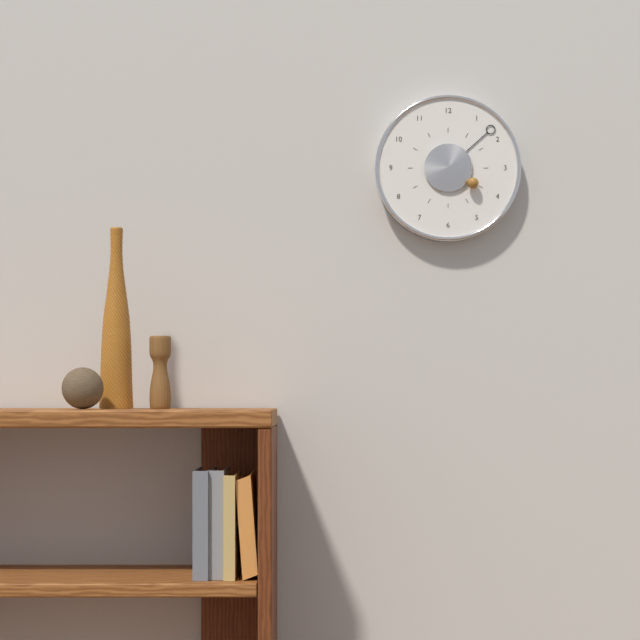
4:08
